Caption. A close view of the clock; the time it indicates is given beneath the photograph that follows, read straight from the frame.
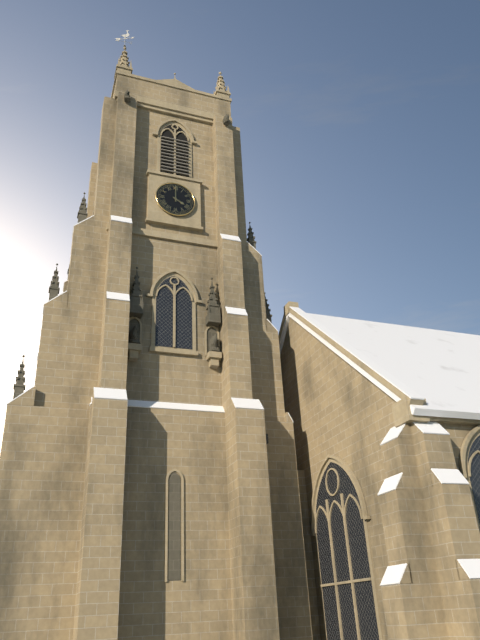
4:00
